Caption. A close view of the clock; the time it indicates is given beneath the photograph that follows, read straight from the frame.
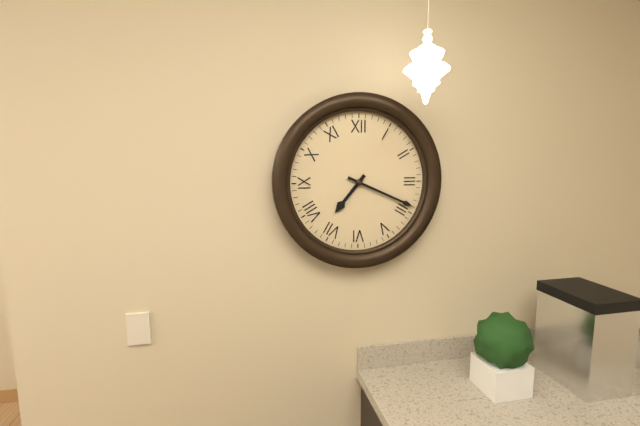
7:19
